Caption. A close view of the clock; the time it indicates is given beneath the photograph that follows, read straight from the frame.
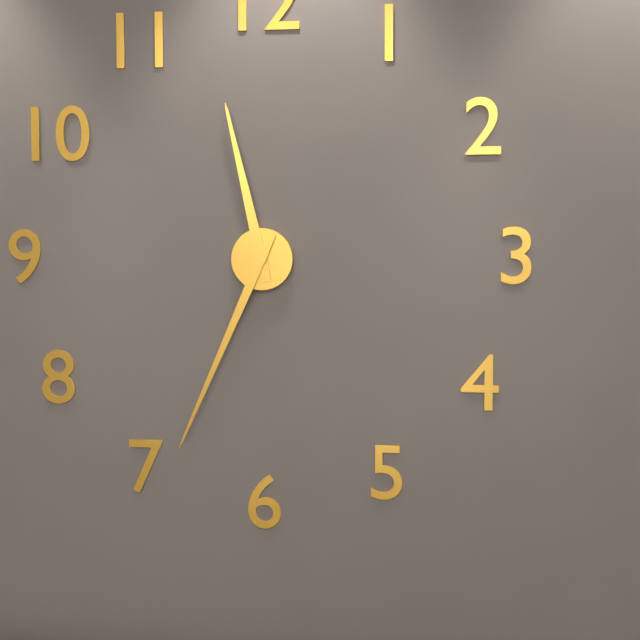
11:34
